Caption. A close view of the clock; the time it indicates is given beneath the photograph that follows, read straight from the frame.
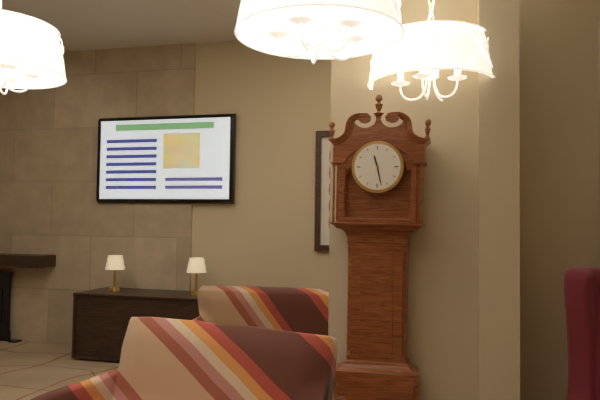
11:28
